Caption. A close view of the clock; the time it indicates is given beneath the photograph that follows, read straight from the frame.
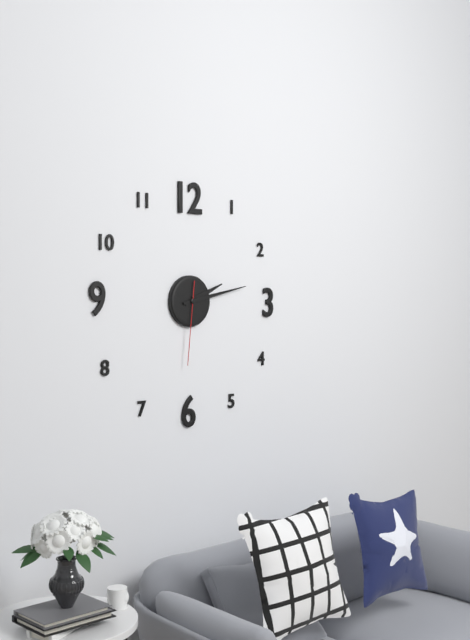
2:13:31
